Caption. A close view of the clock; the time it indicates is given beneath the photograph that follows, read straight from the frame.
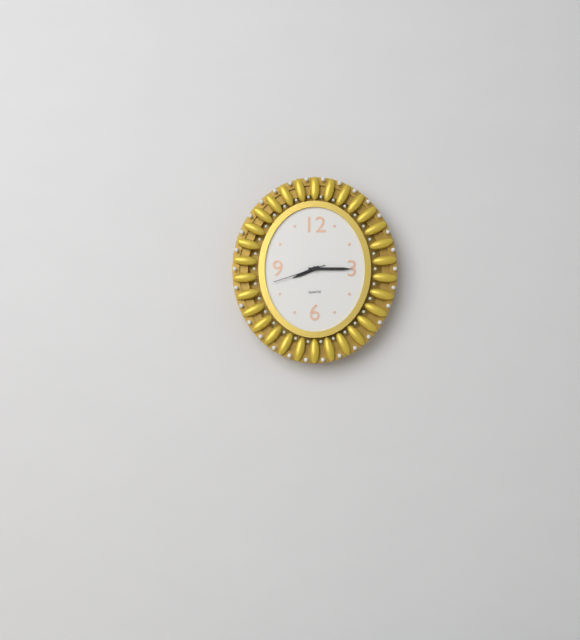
8:15:42
